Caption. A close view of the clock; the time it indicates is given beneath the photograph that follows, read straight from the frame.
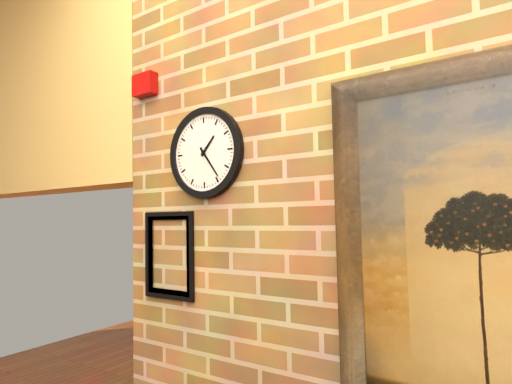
1:24
